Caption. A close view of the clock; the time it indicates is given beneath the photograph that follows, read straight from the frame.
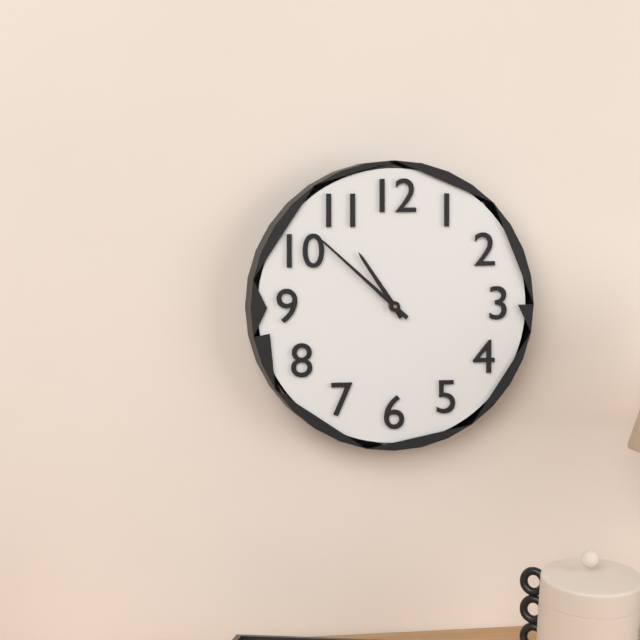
10:52
